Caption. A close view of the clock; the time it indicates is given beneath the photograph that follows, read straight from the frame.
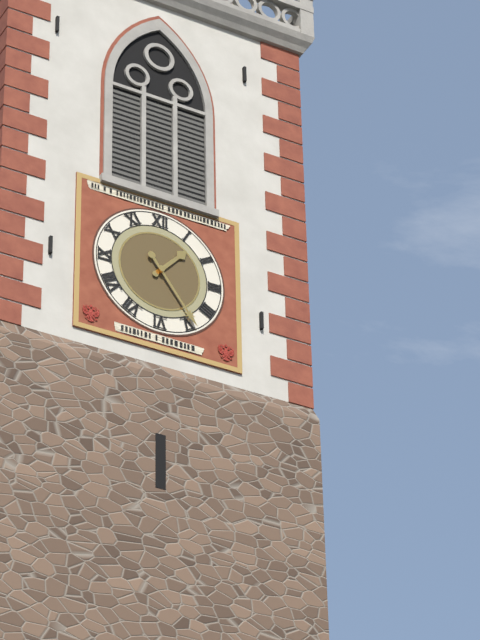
1:24
